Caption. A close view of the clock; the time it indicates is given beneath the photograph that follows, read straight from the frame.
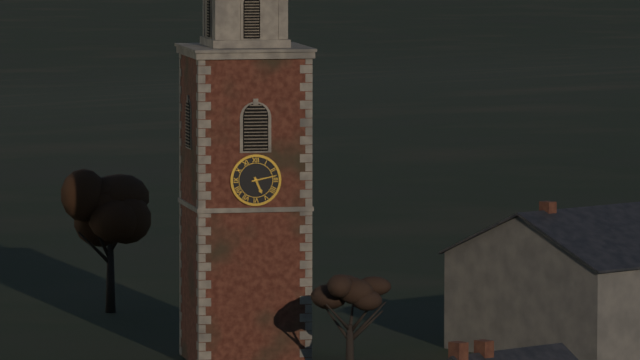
5:13
